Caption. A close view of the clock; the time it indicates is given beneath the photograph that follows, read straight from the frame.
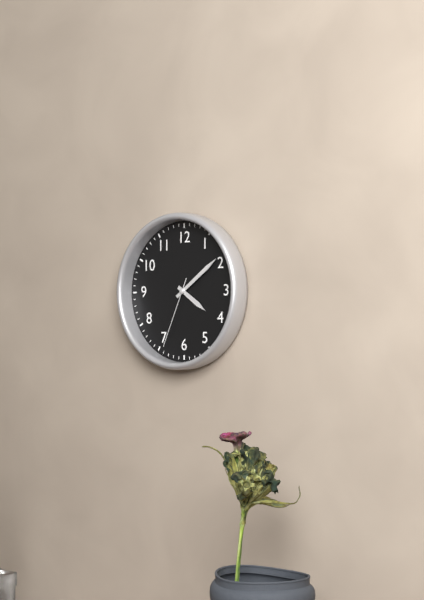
4:09:34
